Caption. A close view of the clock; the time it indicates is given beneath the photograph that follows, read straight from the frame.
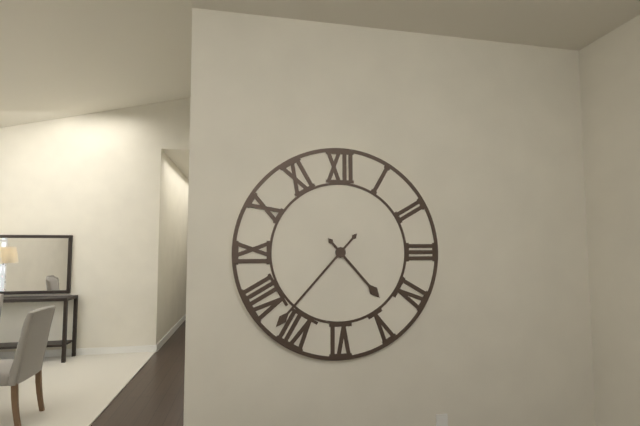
4:37
